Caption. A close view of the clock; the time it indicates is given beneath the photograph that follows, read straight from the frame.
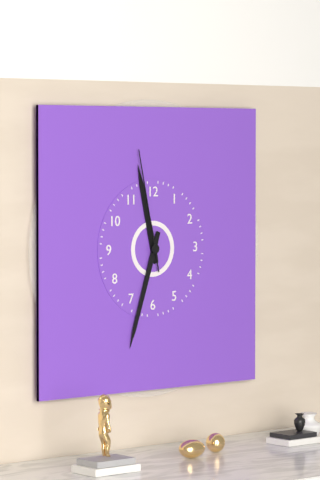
11:33:58
